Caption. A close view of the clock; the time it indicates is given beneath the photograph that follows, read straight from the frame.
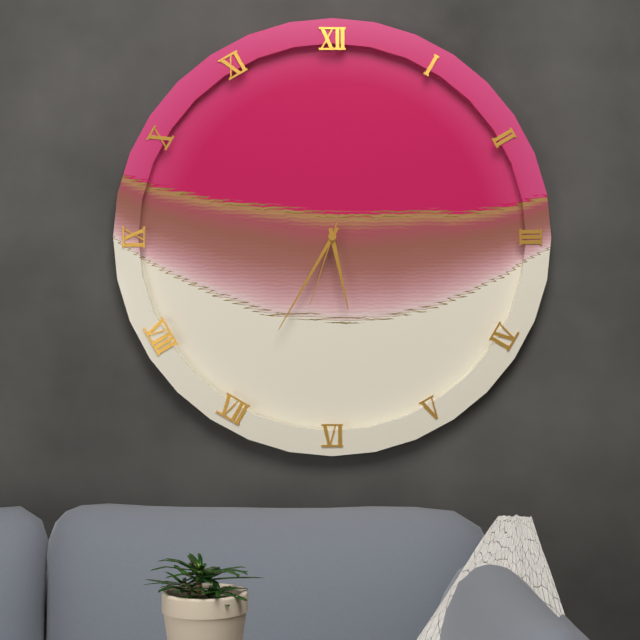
5:35:33
